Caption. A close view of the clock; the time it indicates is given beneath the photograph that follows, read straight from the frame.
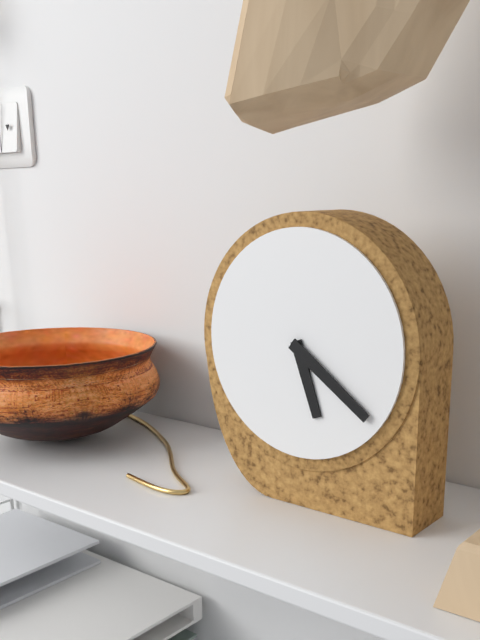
5:21
